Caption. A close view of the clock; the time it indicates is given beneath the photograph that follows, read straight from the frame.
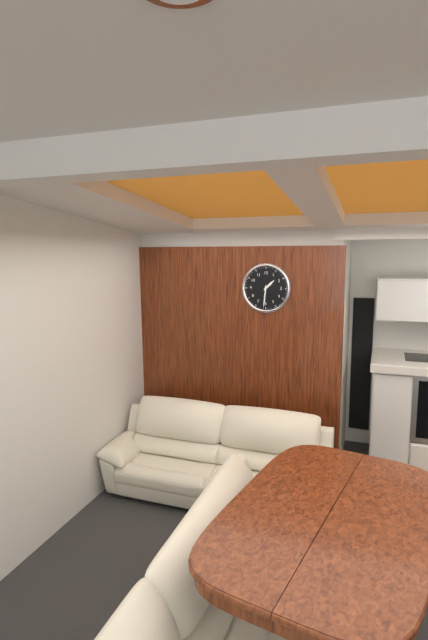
1:31
